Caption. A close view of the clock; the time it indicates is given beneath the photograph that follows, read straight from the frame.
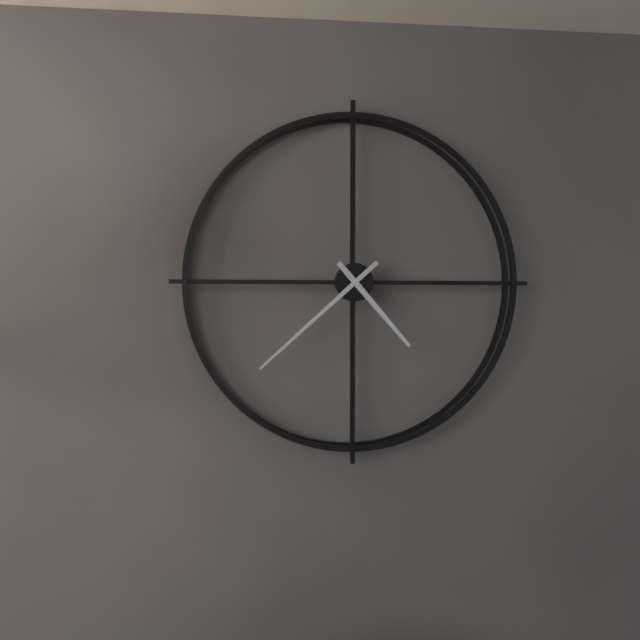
4:38
